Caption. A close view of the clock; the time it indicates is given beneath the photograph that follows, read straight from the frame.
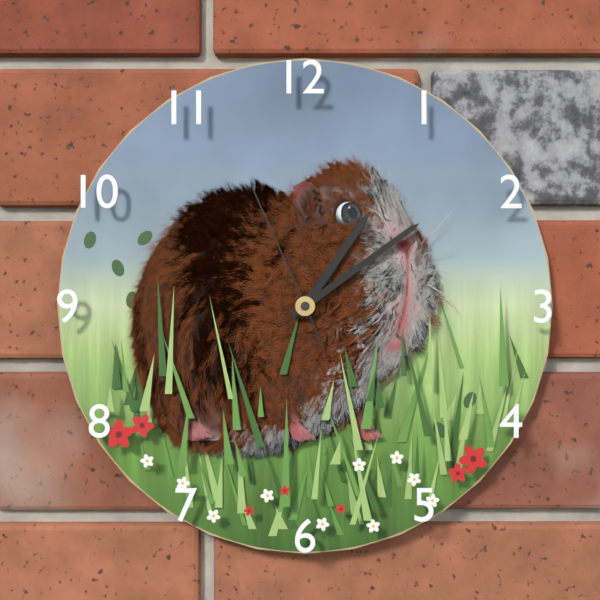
1:09:56
